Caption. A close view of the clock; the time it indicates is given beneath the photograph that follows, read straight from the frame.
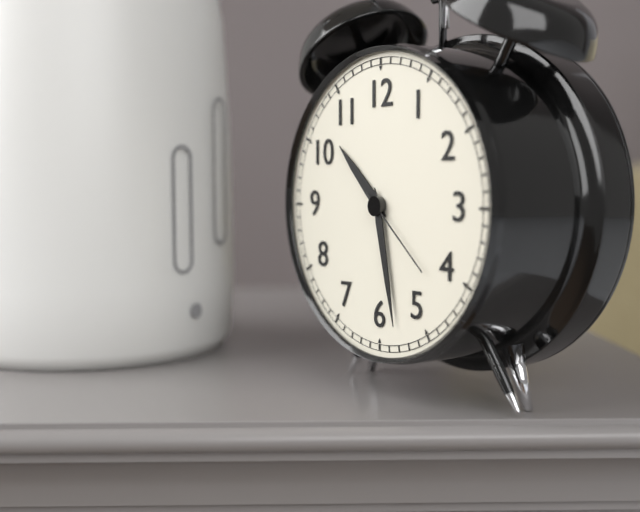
10:28:22
